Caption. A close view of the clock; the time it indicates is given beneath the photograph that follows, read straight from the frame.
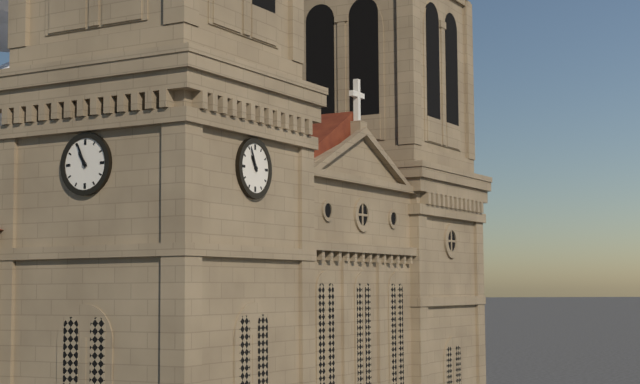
10:56
